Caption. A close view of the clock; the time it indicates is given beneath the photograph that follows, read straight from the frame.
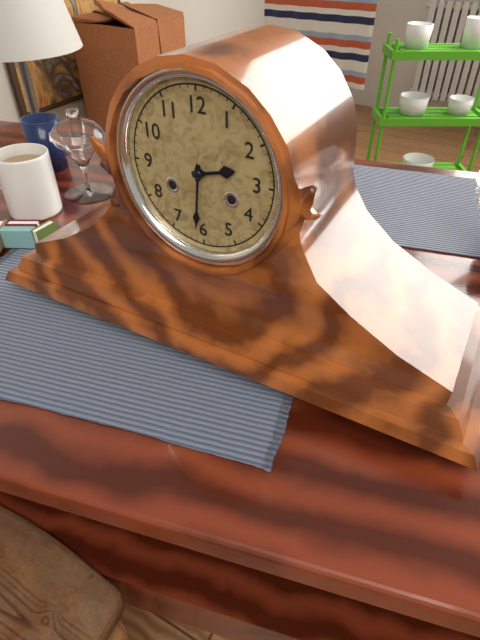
2:31
